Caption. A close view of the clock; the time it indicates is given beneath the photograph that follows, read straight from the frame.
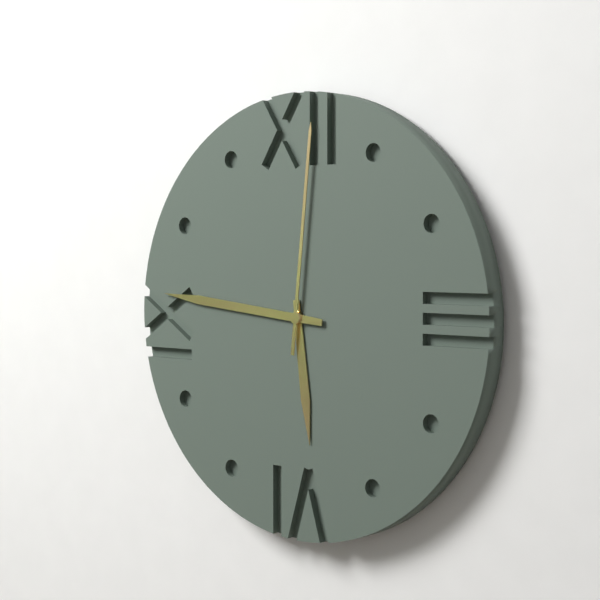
5:46:01
